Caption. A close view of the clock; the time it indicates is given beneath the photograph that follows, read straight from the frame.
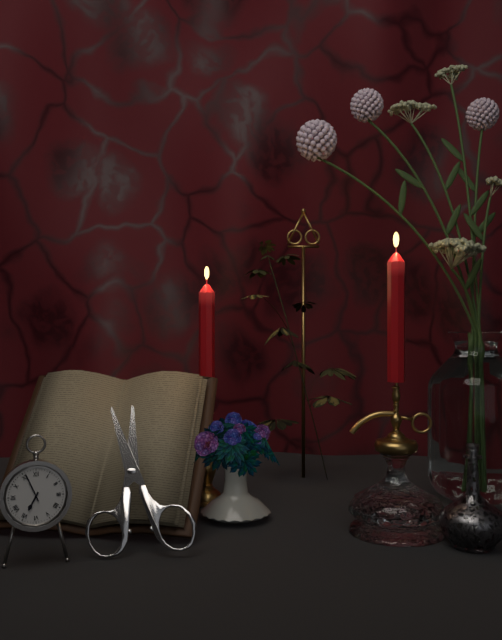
6:56
